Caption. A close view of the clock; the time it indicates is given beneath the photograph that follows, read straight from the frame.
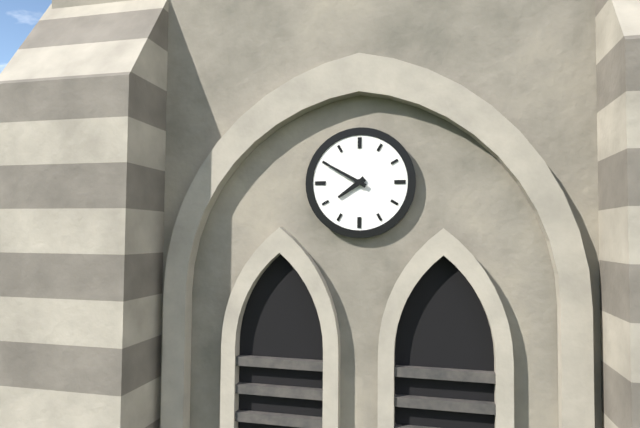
7:50
